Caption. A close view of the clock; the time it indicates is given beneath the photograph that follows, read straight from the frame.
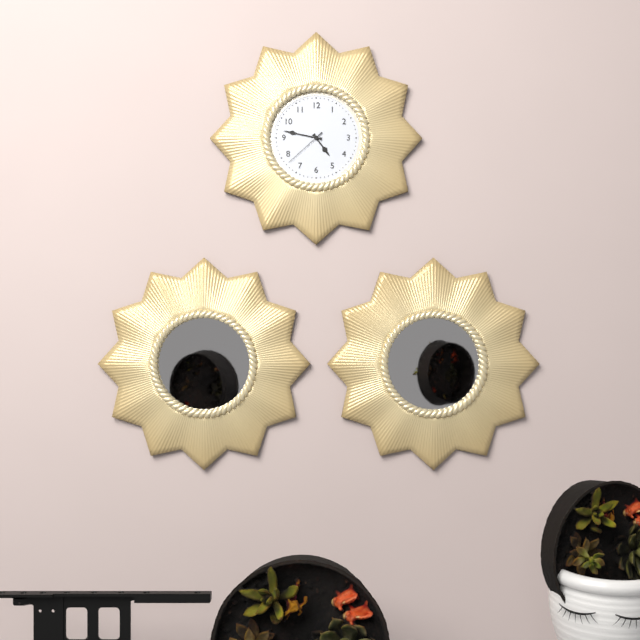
4:47
